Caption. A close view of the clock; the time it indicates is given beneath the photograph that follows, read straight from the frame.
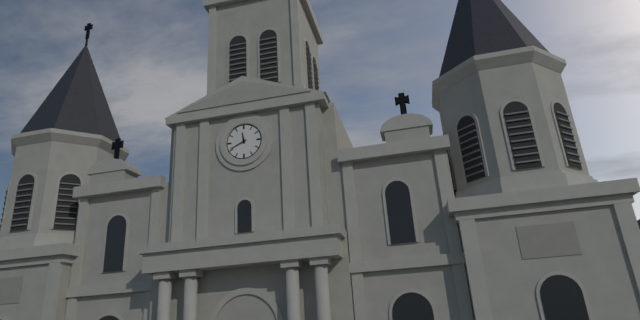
11:41
